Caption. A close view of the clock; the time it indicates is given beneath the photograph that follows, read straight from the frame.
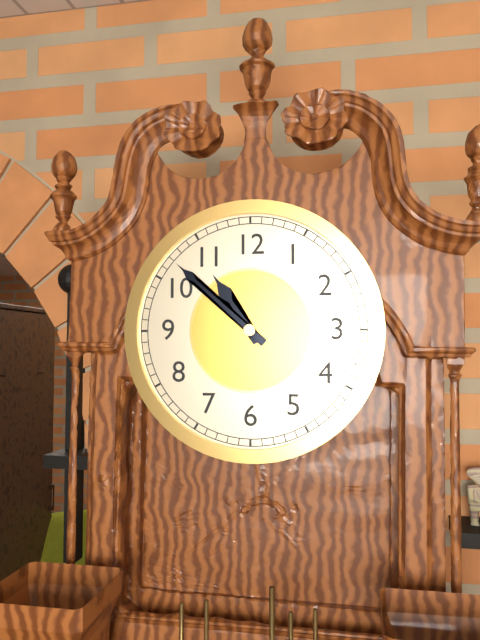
10:52
